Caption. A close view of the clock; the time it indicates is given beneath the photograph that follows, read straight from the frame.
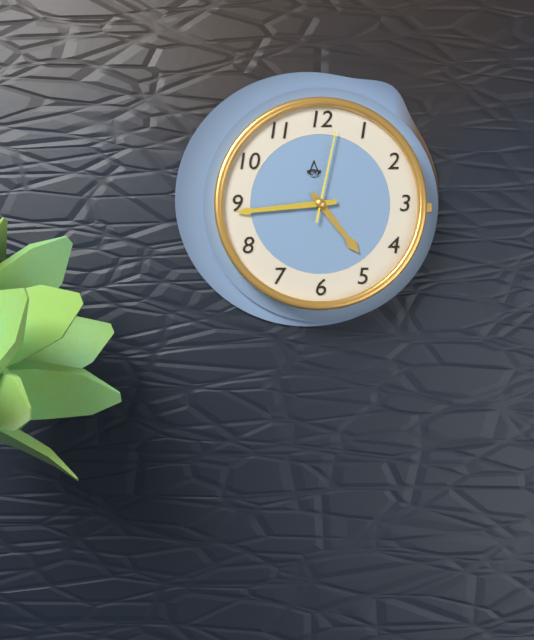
4:44:02
